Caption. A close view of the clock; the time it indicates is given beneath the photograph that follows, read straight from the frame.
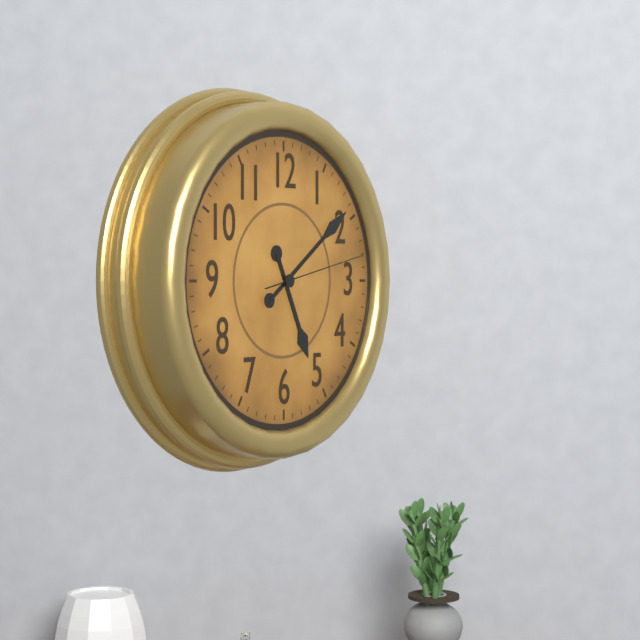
5:09:13
